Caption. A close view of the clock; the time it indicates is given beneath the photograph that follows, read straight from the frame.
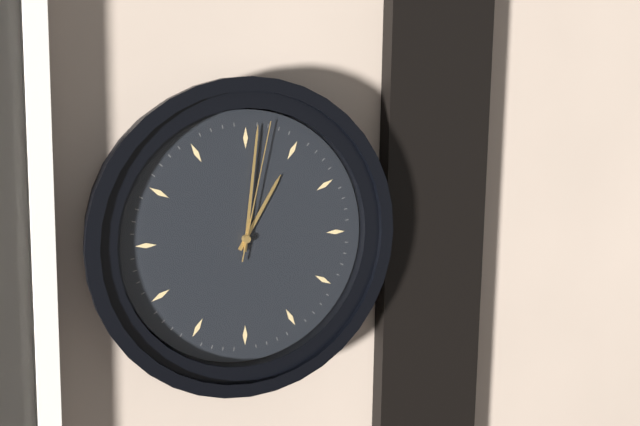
1:01:02
